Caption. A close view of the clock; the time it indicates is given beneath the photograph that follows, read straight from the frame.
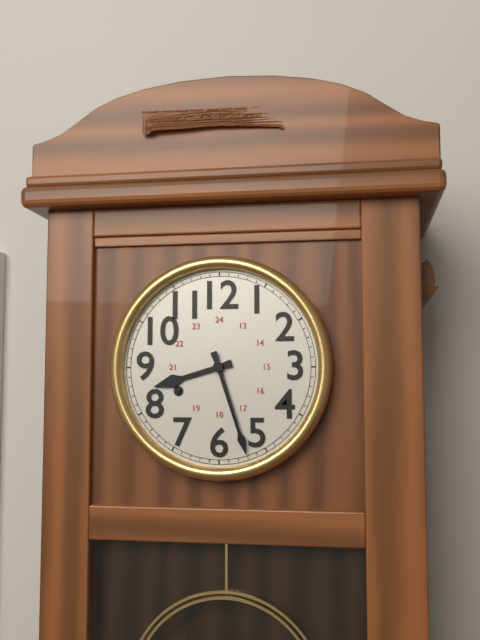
8:27
